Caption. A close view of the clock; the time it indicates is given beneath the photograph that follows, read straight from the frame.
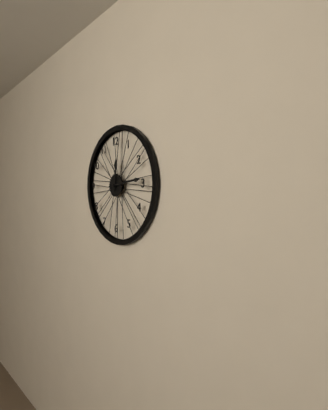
12:14
